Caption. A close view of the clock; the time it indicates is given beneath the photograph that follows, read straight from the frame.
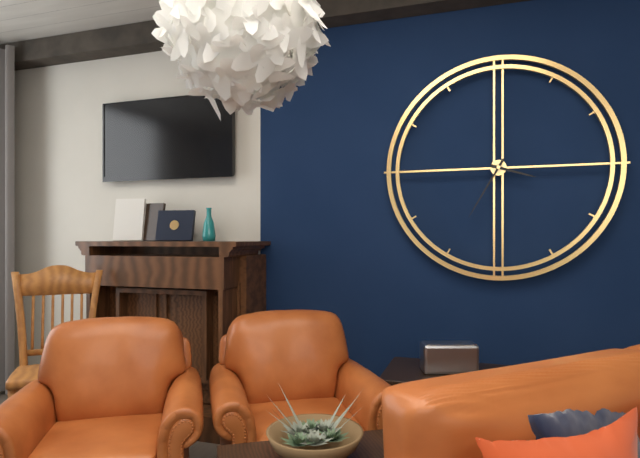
3:35
